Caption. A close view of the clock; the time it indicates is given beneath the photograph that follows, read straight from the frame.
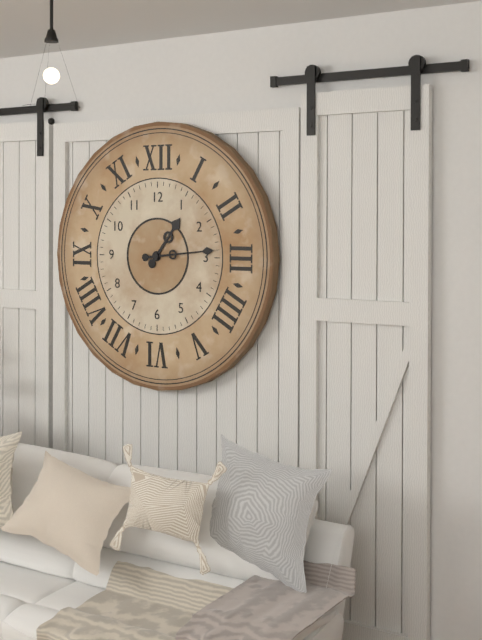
1:14
